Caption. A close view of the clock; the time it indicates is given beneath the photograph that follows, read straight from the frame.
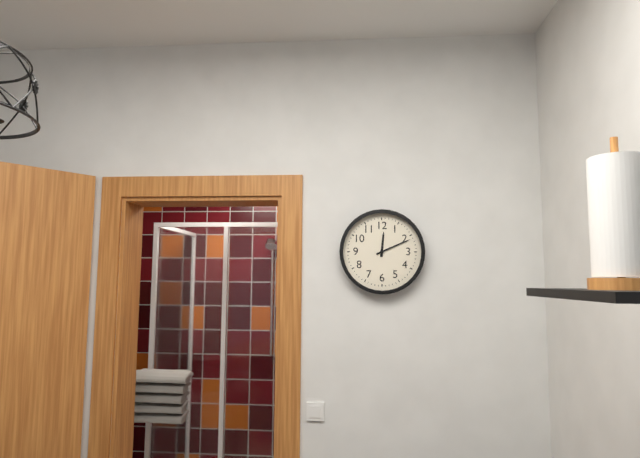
12:11
